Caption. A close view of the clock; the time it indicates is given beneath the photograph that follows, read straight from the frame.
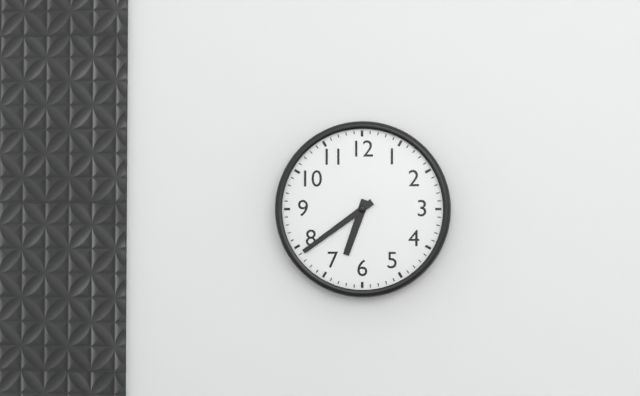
6:39
